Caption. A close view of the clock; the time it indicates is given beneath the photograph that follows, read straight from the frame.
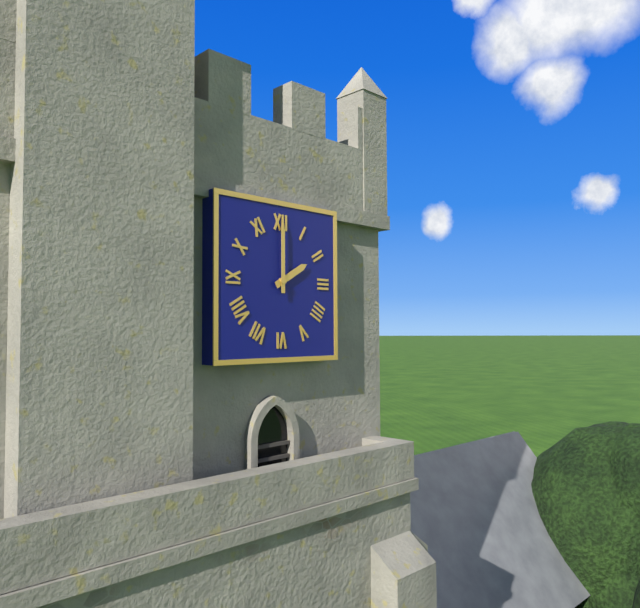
2:00
